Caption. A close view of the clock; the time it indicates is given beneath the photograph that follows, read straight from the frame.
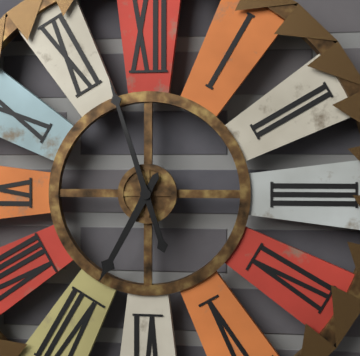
6:57
